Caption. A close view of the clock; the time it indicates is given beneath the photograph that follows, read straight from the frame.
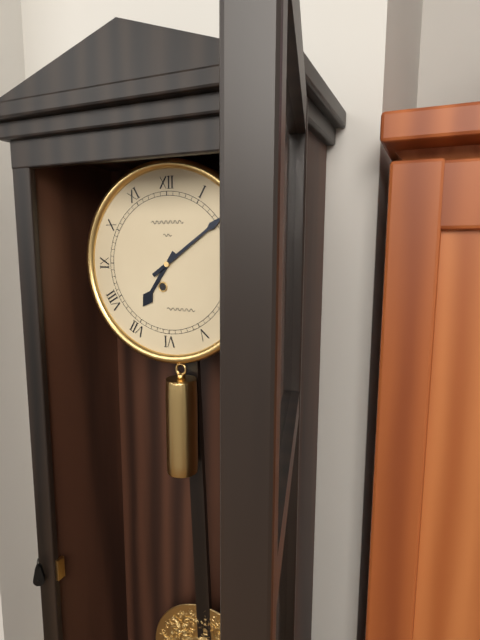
7:09
